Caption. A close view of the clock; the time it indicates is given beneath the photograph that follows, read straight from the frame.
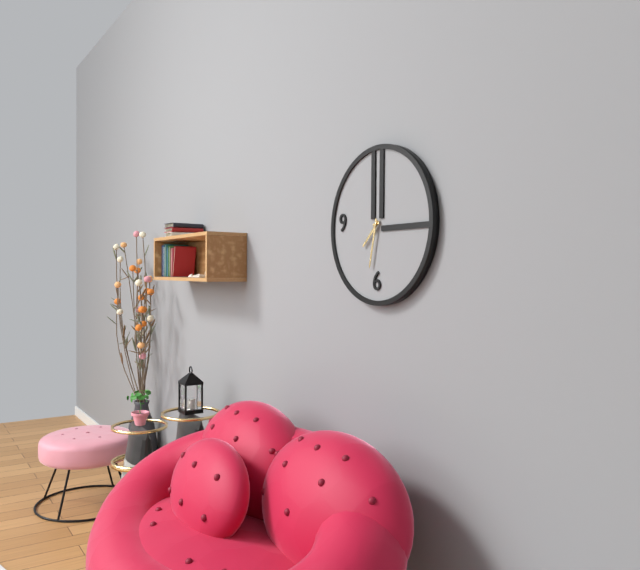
7:32
